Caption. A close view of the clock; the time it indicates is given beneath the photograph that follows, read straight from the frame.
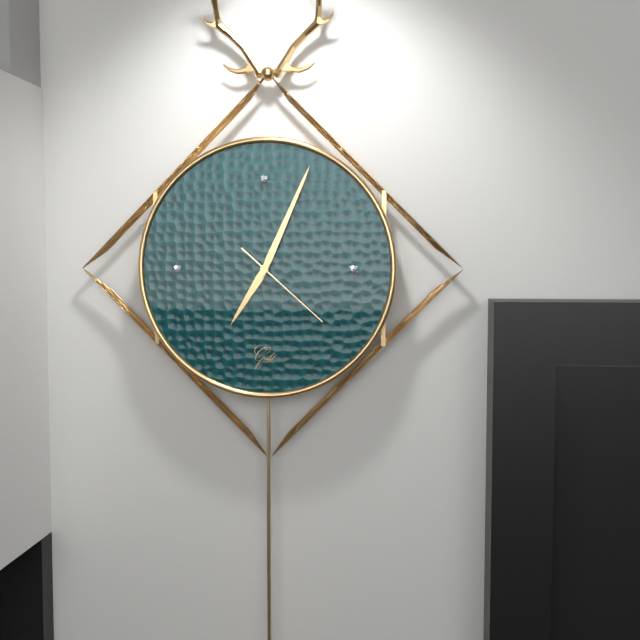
7:04:22
